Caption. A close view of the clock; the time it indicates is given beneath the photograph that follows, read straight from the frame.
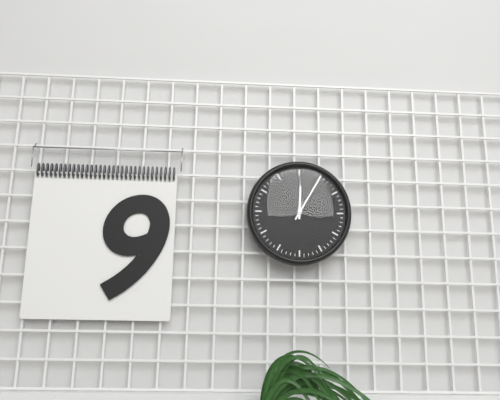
12:05
